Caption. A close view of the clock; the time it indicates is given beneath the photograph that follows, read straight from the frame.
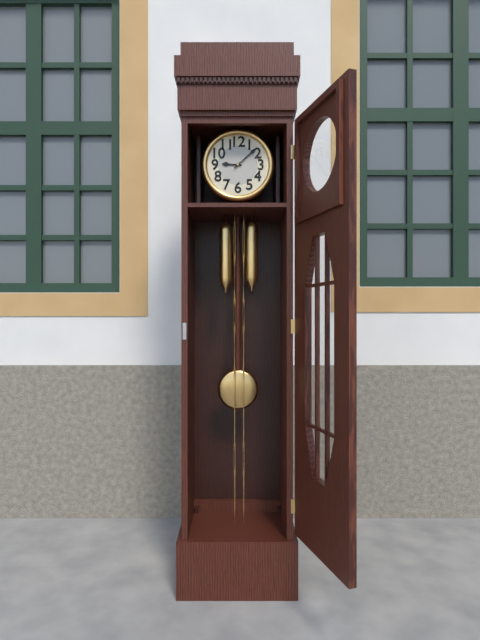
9:08
